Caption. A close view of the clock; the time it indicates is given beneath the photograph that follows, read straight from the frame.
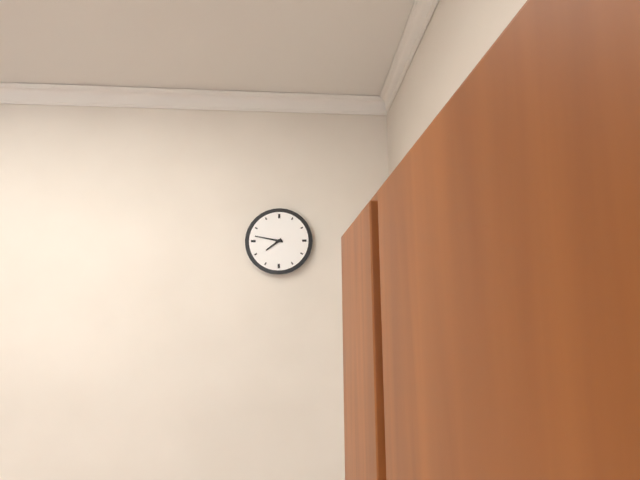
7:47
